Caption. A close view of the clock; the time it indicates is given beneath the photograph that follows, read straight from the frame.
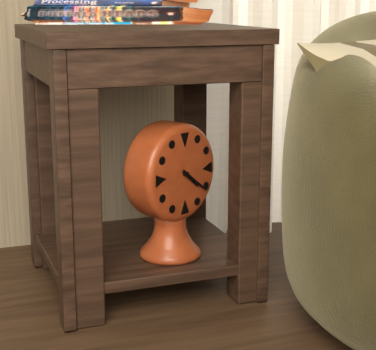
4:21
